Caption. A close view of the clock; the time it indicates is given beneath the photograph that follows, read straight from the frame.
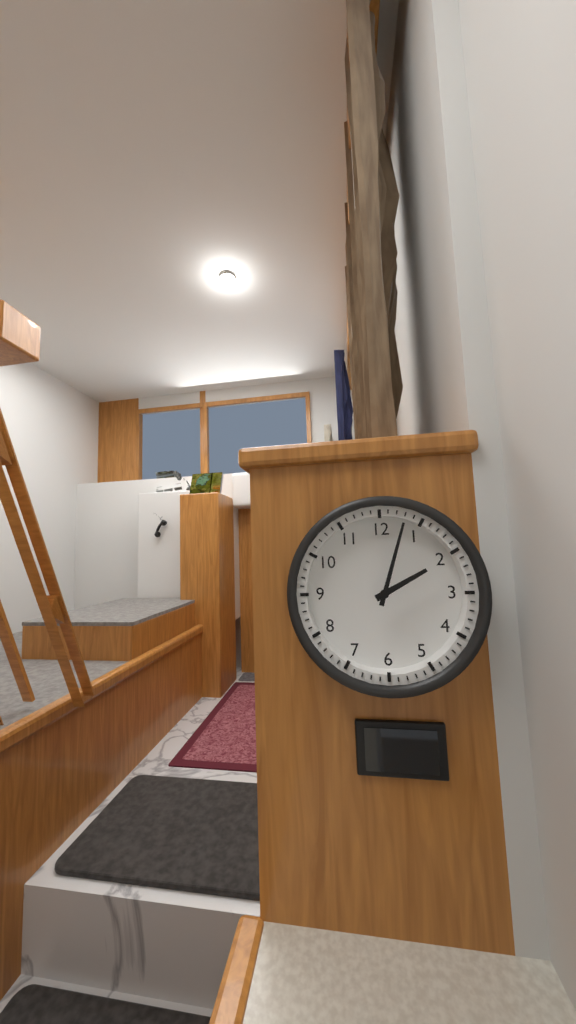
2:03
